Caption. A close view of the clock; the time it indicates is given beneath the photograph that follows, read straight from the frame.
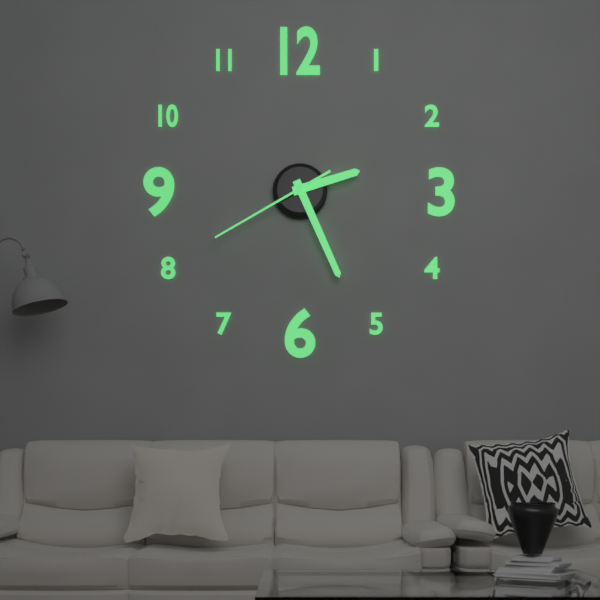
2:26:40
